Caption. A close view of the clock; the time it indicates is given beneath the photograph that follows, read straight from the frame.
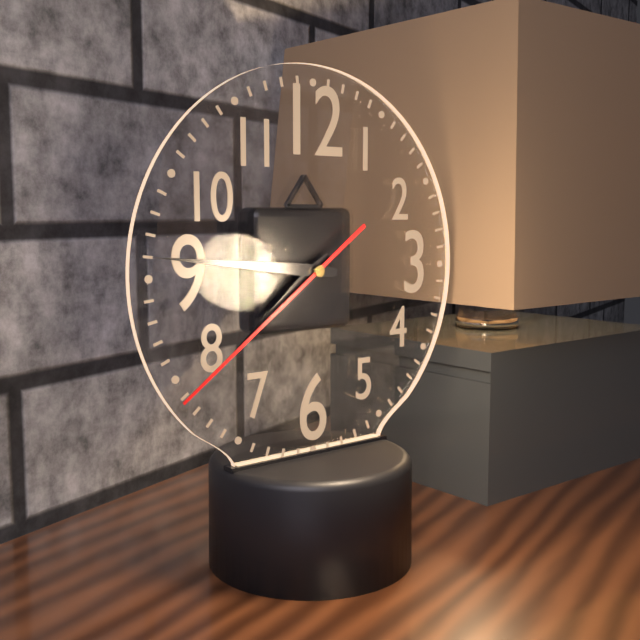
7:46:39
